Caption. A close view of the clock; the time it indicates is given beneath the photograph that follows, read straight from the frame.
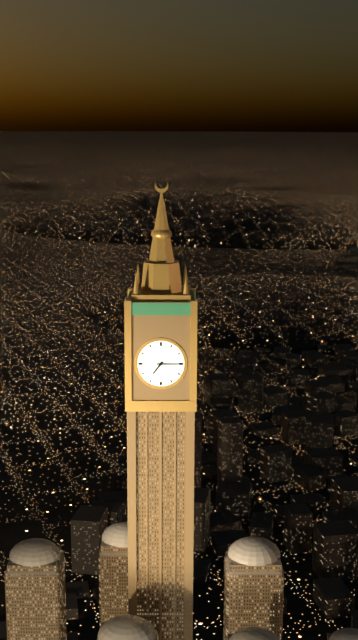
7:15
